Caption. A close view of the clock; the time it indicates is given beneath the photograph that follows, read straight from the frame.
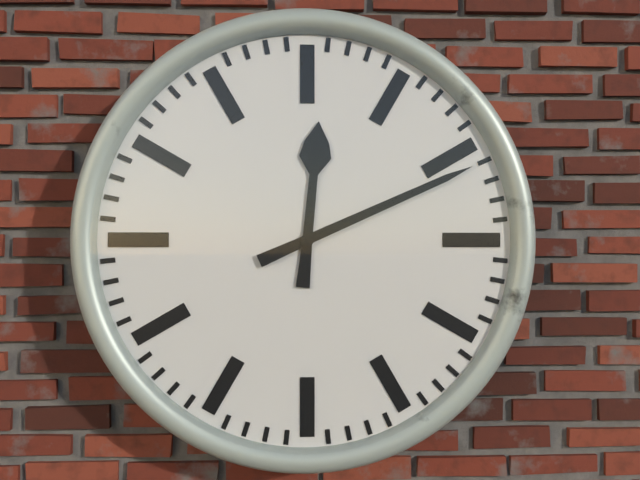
12:11
